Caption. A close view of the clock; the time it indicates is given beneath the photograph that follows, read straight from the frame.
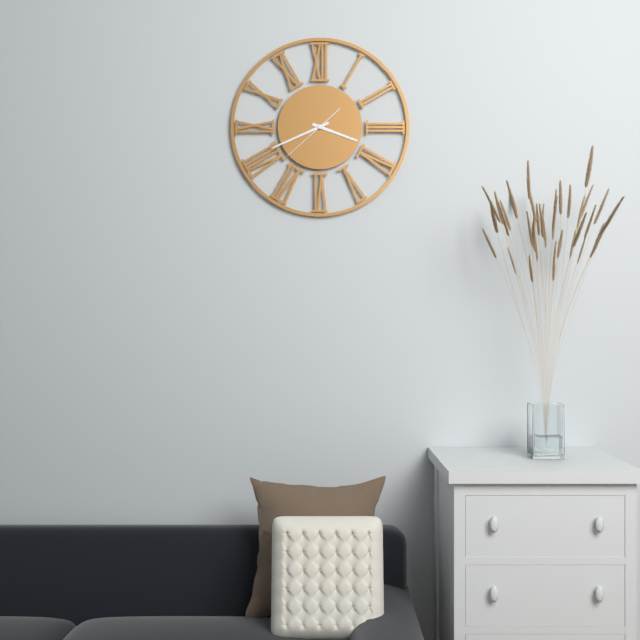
3:41:38
